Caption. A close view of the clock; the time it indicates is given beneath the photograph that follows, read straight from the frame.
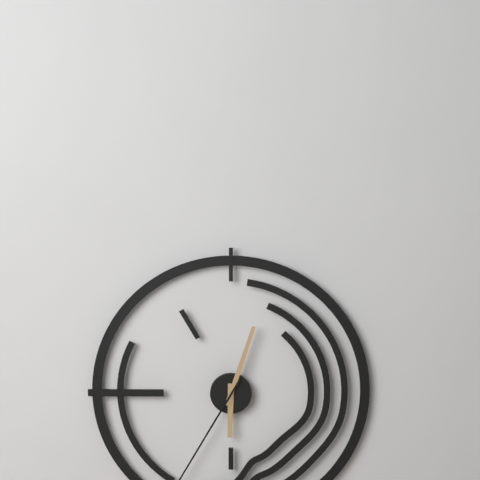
6:03
